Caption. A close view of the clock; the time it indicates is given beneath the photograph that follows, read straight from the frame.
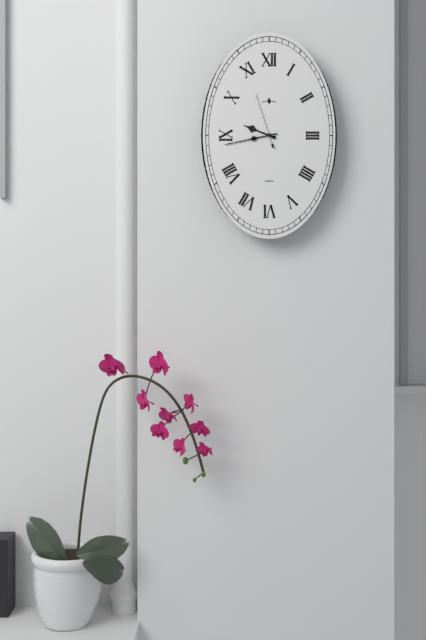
9:43:57
